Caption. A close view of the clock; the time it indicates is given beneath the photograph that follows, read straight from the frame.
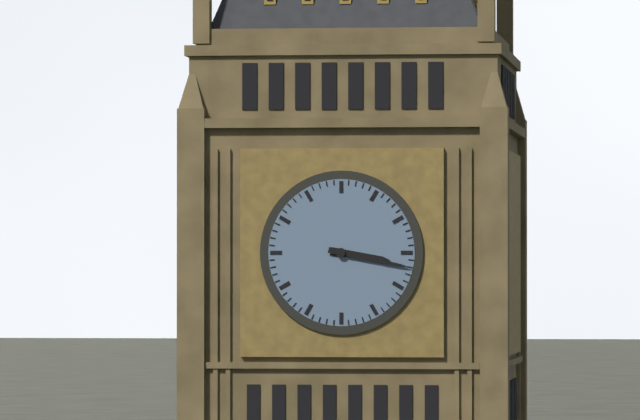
3:17
